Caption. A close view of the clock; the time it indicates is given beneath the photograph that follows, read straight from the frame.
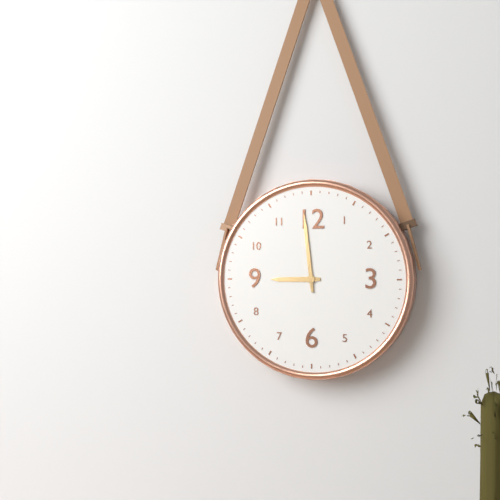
8:59
